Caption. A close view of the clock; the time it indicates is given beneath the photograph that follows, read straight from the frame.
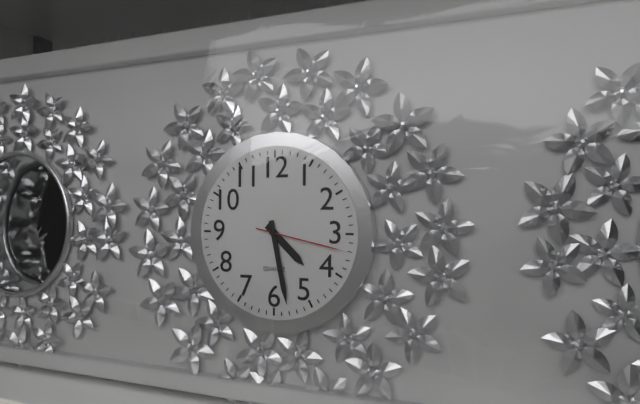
4:28:17
